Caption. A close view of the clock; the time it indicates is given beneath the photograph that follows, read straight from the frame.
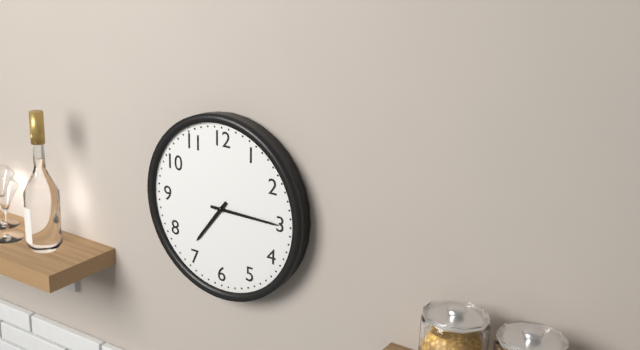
7:15
